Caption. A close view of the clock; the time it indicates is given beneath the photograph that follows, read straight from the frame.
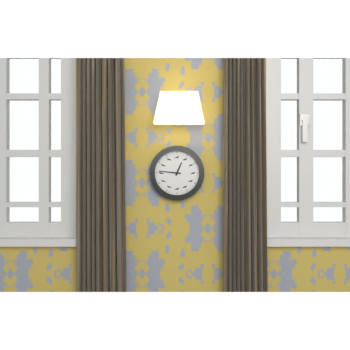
12:46
